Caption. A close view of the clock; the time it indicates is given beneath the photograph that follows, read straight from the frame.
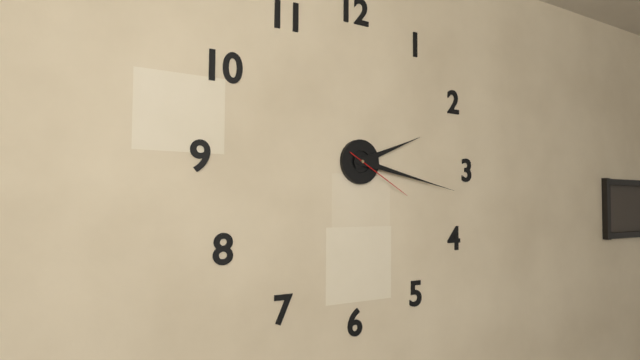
2:17:20
